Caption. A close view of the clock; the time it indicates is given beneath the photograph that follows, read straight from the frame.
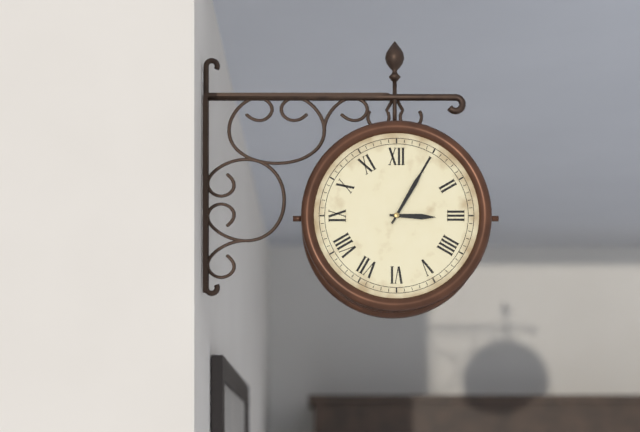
3:05
